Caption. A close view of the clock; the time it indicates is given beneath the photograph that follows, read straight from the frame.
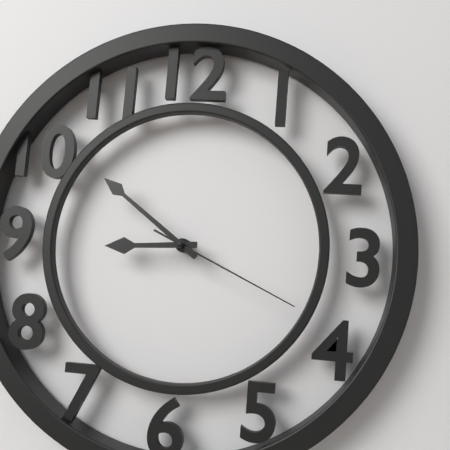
8:51:19
